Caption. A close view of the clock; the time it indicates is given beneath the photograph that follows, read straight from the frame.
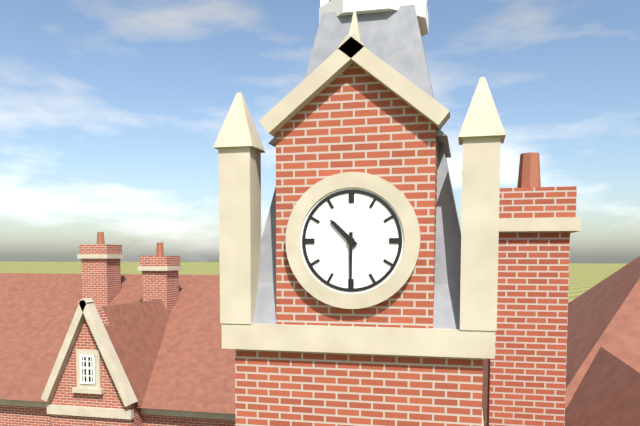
10:30
